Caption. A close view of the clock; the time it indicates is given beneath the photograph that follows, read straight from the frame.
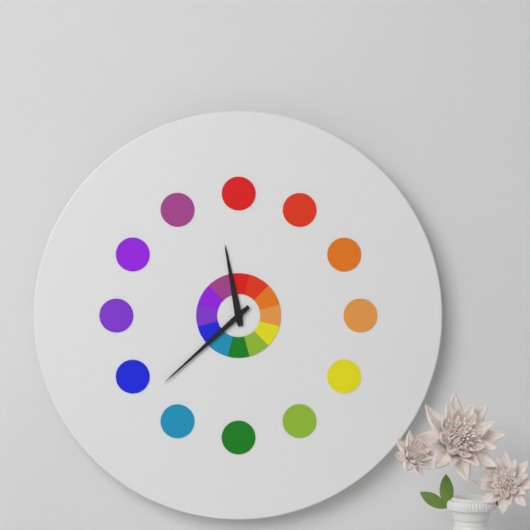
11:38
